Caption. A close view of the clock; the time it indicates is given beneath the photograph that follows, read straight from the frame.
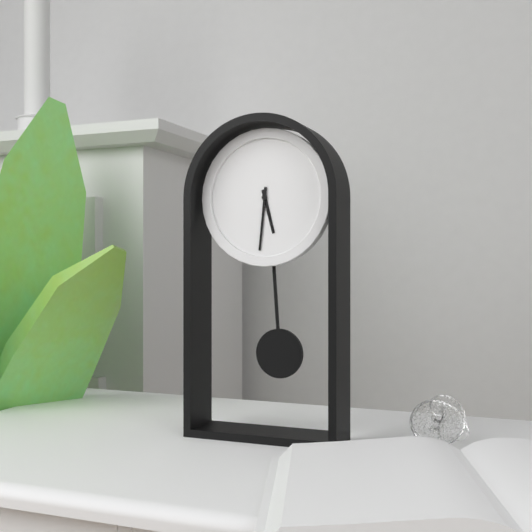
5:31
